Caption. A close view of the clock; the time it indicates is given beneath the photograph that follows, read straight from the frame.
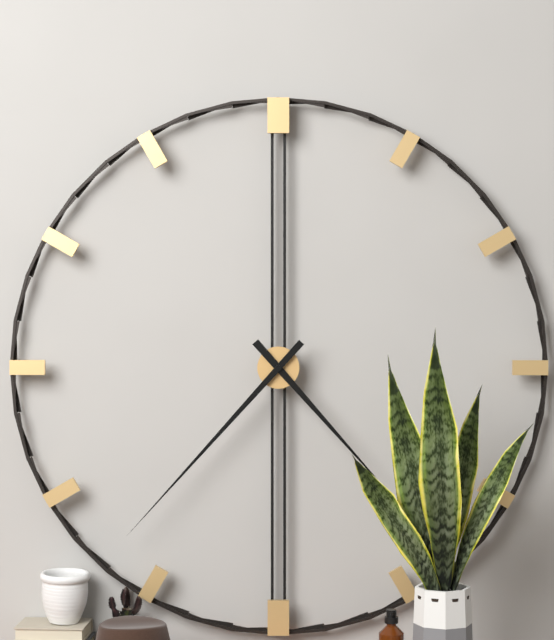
4:37
